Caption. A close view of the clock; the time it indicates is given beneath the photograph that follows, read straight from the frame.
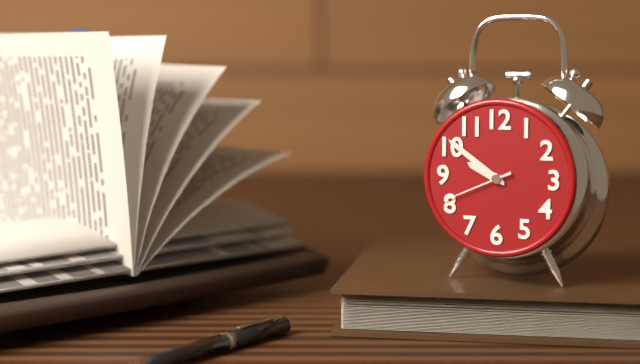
9:51:41
